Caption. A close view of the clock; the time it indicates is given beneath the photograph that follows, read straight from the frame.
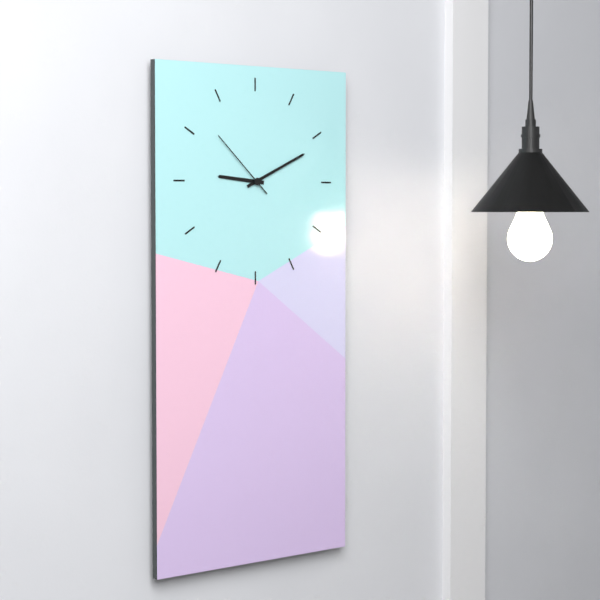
9:11:52
